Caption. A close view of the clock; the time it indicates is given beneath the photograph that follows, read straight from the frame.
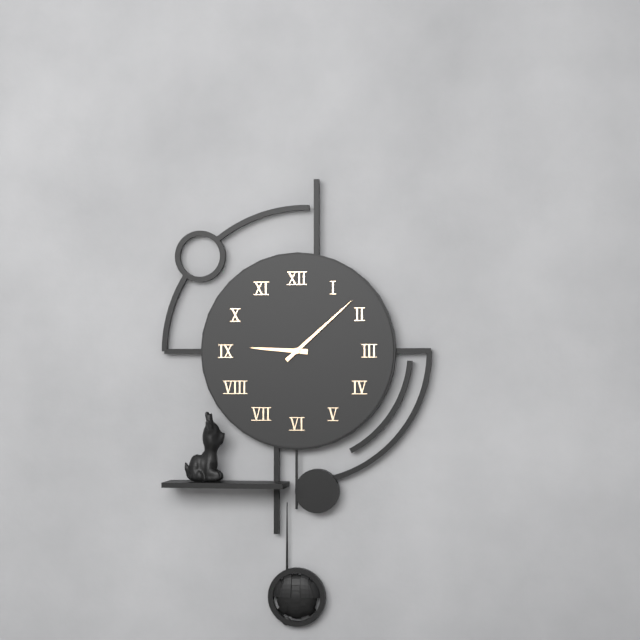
9:08
